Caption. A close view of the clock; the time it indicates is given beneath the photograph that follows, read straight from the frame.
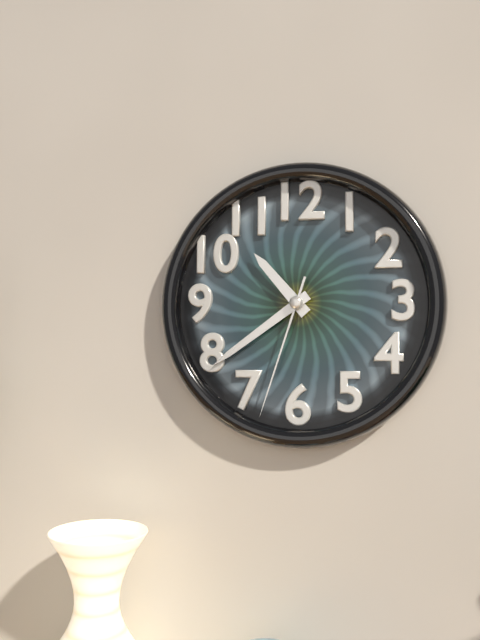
10:39:33
